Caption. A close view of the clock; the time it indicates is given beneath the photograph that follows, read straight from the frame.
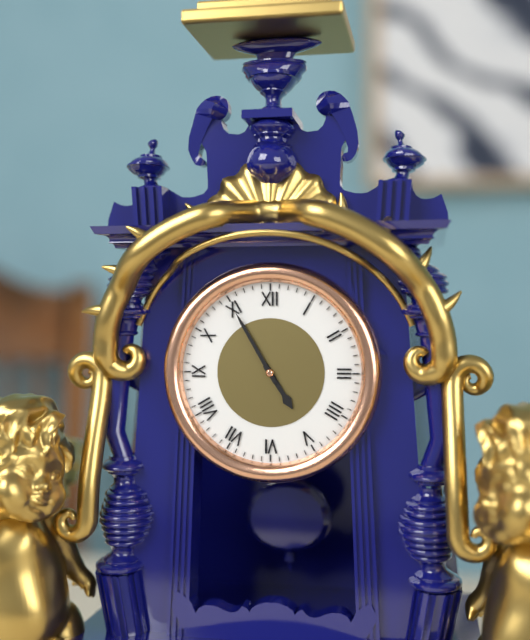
4:55
